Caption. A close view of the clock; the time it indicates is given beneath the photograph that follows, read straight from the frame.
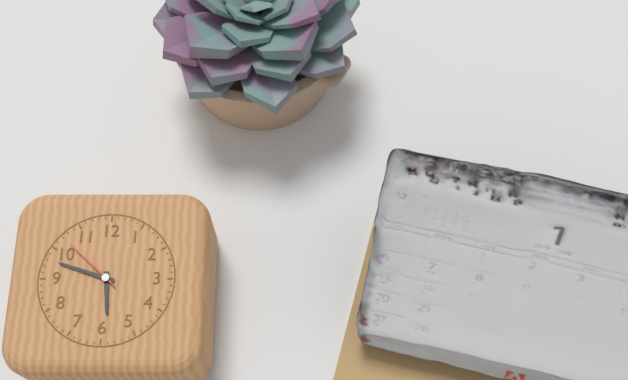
5:48:52
